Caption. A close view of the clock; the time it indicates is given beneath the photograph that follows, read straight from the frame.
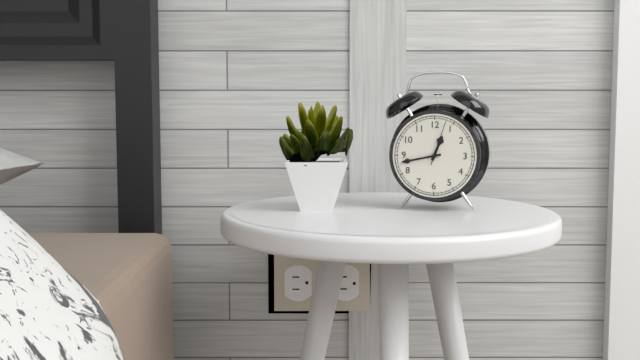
12:43
